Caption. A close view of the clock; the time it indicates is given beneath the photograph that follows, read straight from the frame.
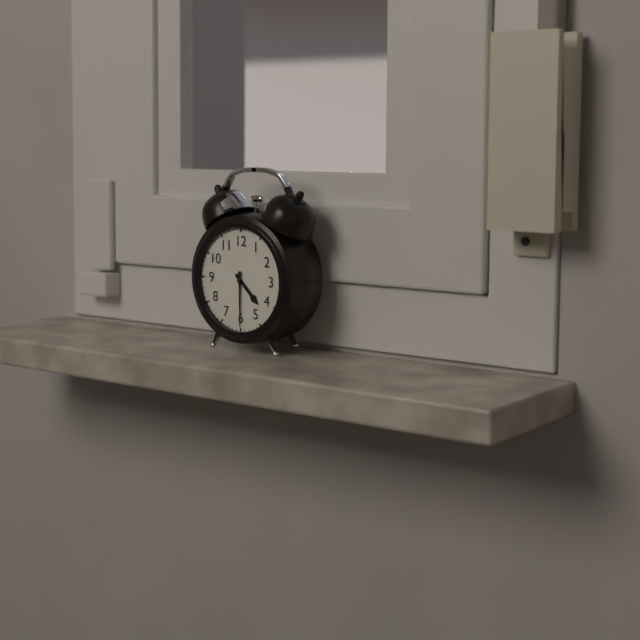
4:30
